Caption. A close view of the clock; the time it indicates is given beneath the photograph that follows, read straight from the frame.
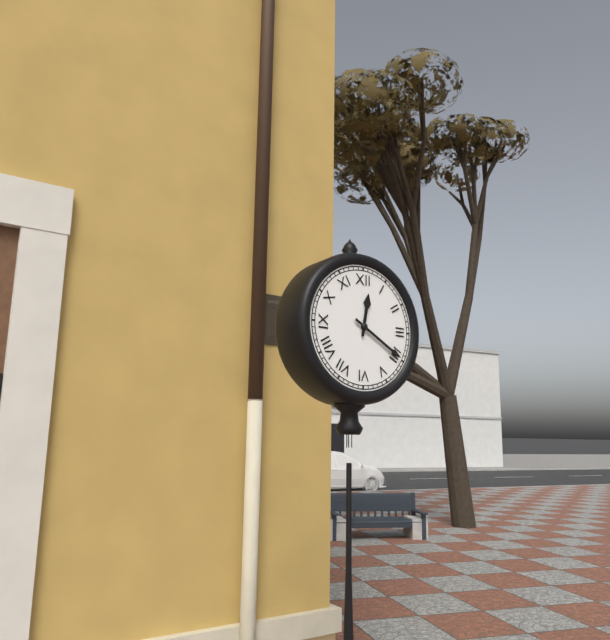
12:20
